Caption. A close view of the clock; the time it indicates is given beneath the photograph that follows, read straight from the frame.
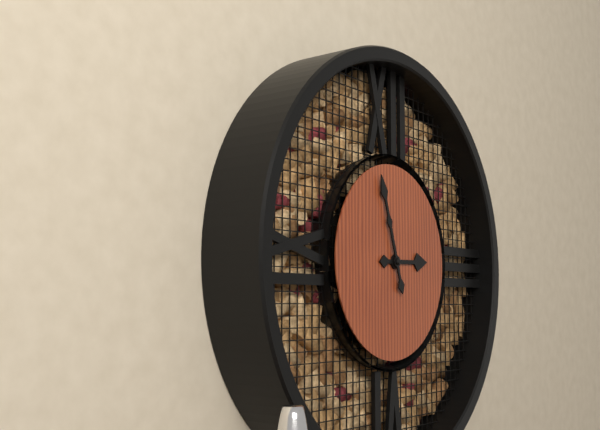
2:57
